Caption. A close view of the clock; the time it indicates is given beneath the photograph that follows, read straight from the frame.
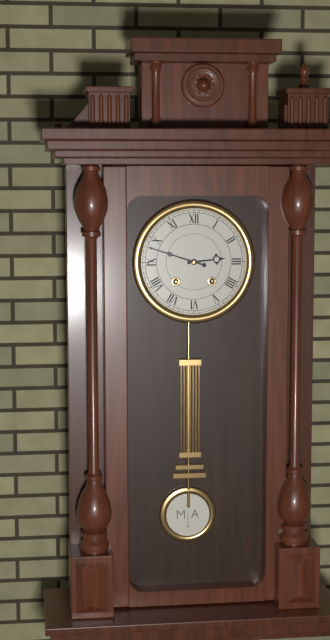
2:48
